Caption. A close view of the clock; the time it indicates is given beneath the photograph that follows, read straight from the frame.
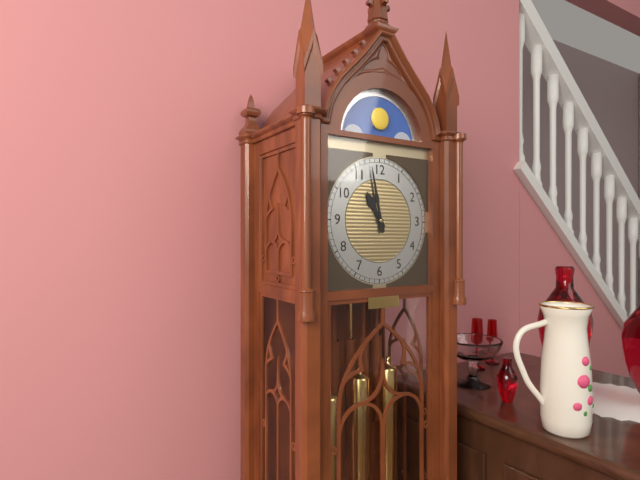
10:58
